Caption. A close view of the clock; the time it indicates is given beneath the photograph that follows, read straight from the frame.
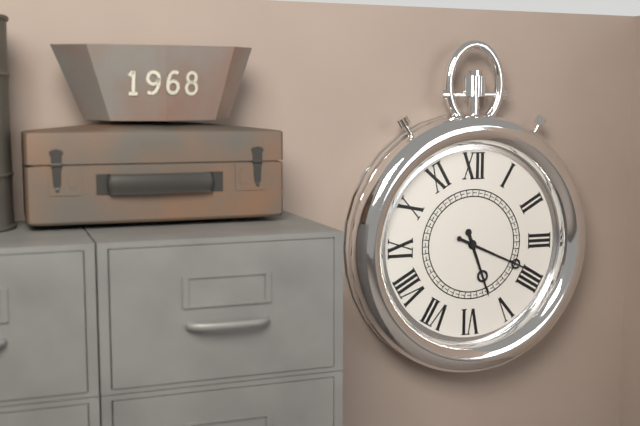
5:19
